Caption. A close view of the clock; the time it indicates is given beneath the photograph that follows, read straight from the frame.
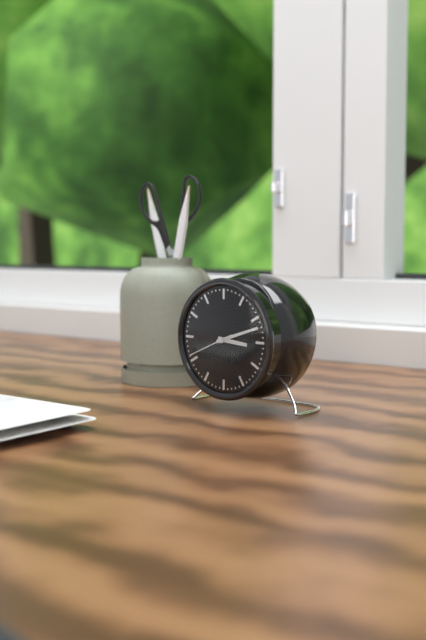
3:12
